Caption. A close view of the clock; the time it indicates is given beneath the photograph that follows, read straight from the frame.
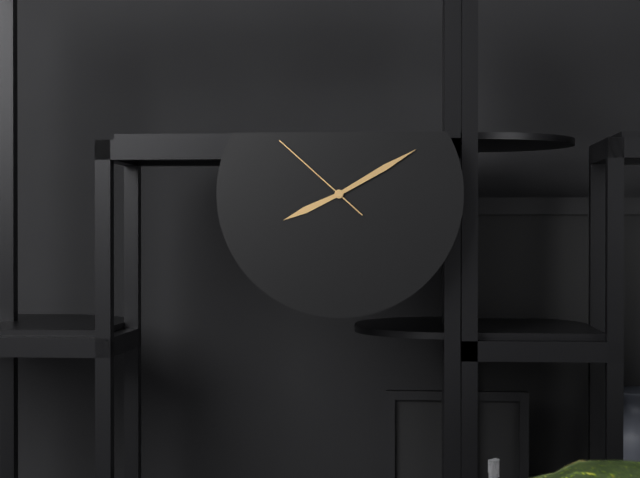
8:10:52
